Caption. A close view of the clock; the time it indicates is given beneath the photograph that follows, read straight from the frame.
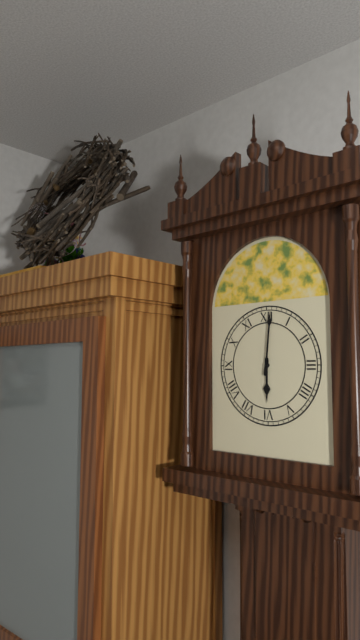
6:01
